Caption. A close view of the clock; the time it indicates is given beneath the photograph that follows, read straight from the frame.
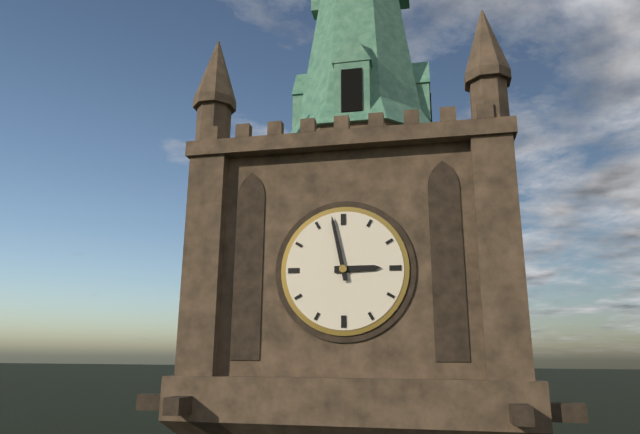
2:58
